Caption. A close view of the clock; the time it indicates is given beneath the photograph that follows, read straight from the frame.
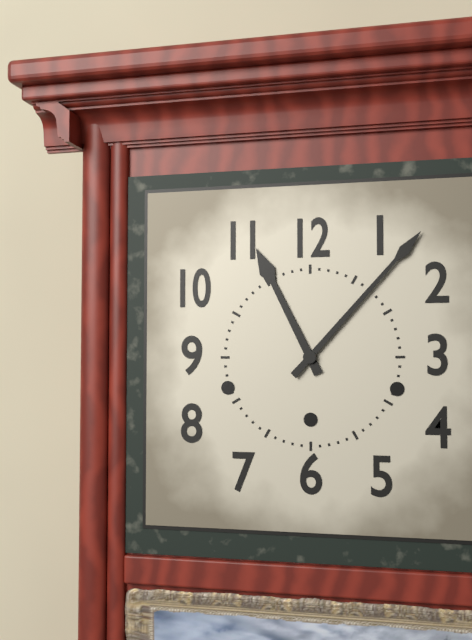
11:07
